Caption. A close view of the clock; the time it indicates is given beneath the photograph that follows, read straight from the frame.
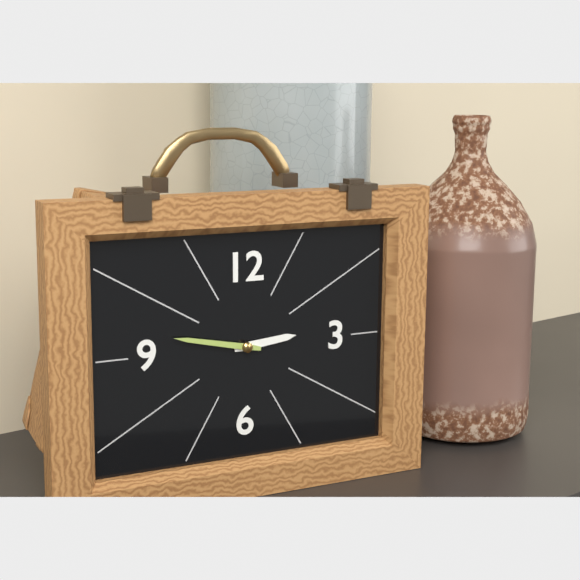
2:47
